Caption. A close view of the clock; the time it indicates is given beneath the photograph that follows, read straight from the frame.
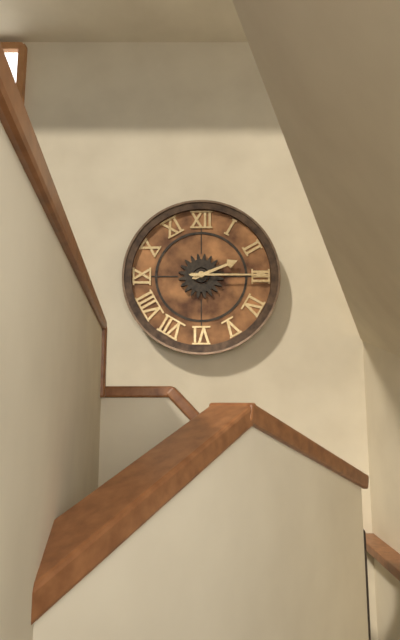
2:15
